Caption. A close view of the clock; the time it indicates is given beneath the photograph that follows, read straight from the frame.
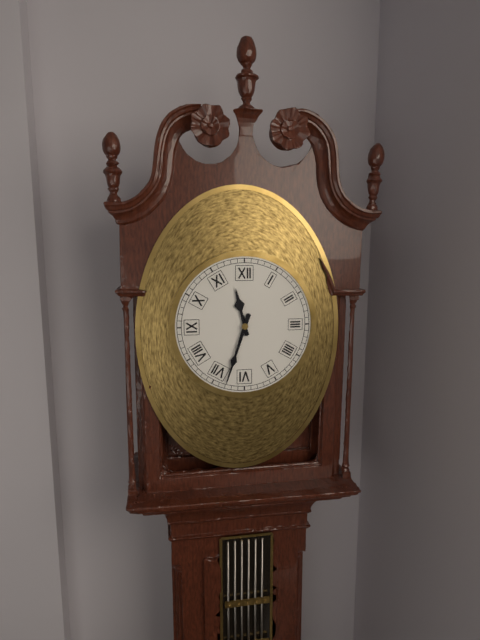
11:33
